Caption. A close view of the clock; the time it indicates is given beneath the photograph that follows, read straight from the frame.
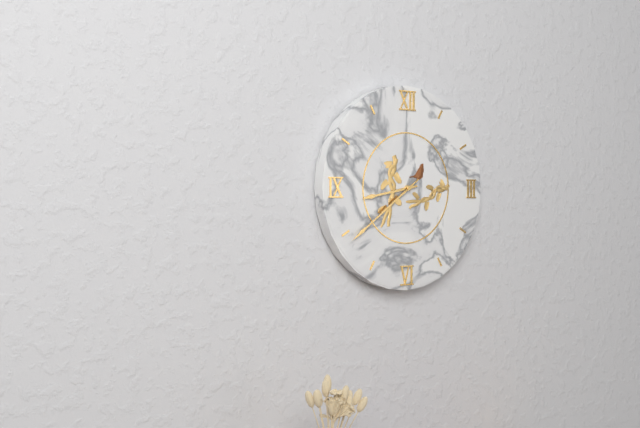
8:39
